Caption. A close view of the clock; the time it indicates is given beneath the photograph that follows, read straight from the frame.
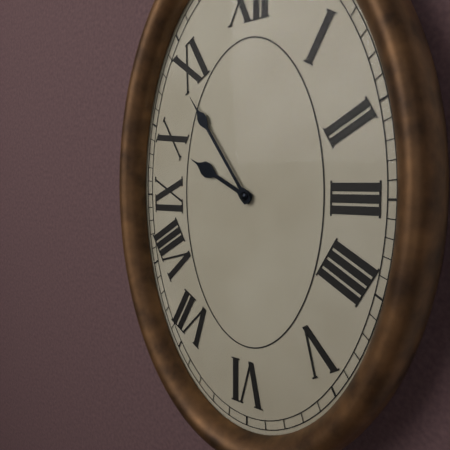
9:54
